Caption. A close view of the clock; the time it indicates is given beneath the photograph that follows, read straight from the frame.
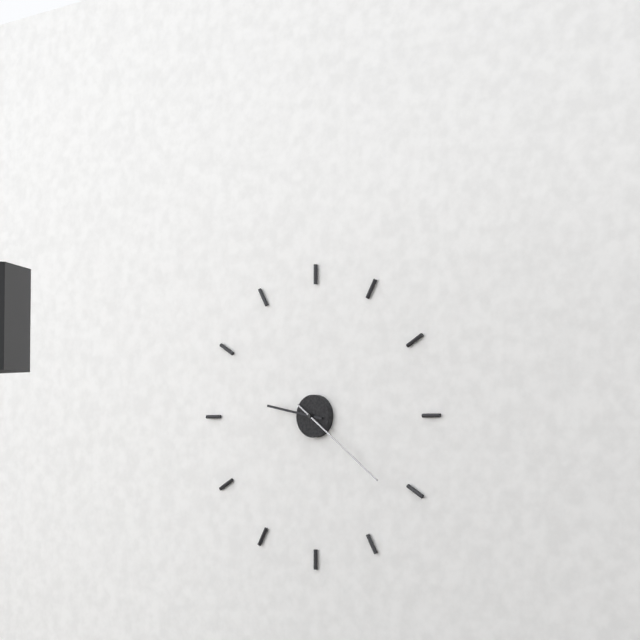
9:21
